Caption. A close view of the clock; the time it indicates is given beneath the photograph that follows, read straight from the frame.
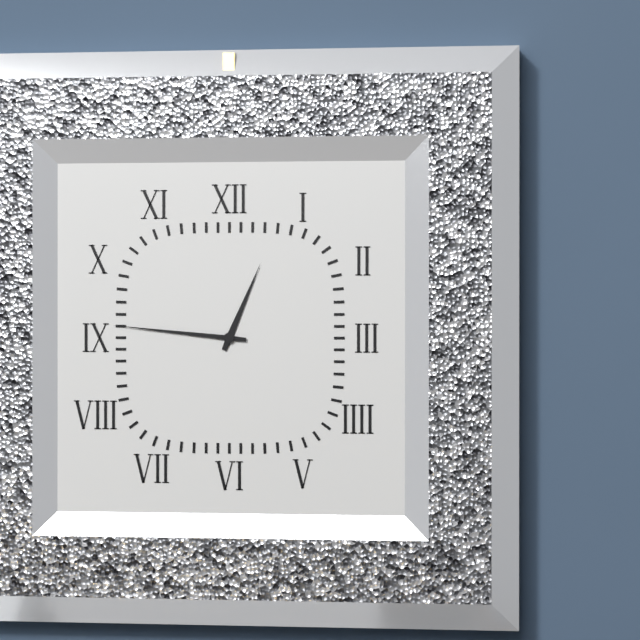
12:46
